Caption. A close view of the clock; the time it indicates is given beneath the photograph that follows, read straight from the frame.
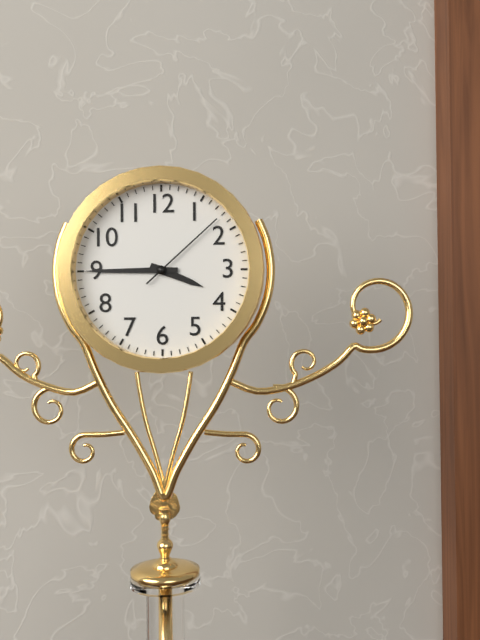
3:45:08
